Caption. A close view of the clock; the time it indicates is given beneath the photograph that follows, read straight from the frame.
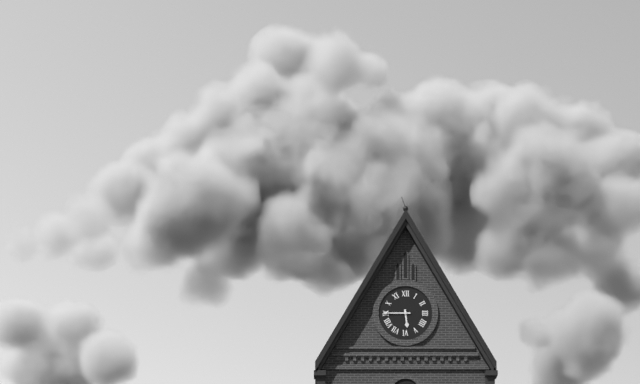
5:45
